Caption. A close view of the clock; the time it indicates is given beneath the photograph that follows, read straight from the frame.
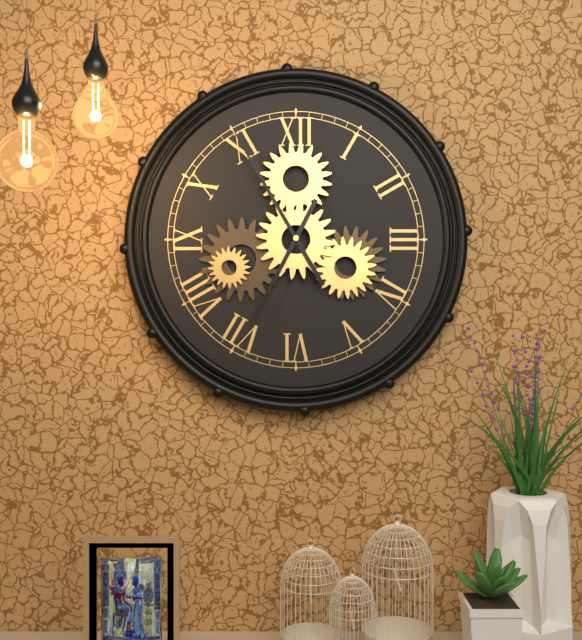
6:55
